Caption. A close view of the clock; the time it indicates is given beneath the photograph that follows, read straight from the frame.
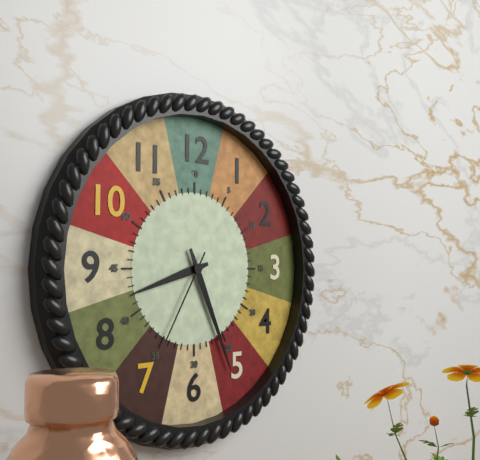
8:26:35
